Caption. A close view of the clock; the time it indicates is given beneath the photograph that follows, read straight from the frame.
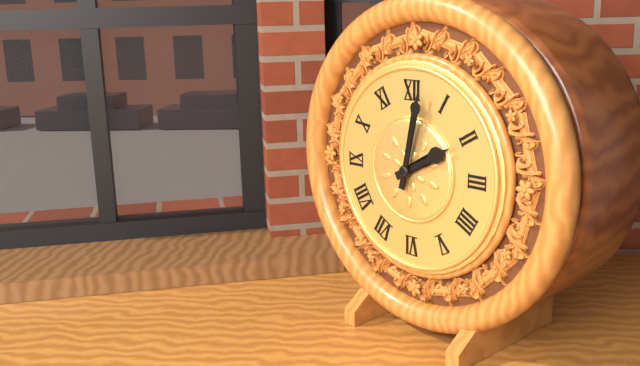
2:02
